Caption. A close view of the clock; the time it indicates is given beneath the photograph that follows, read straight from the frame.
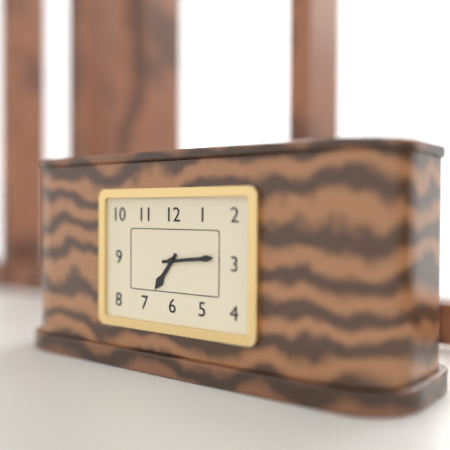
7:14
